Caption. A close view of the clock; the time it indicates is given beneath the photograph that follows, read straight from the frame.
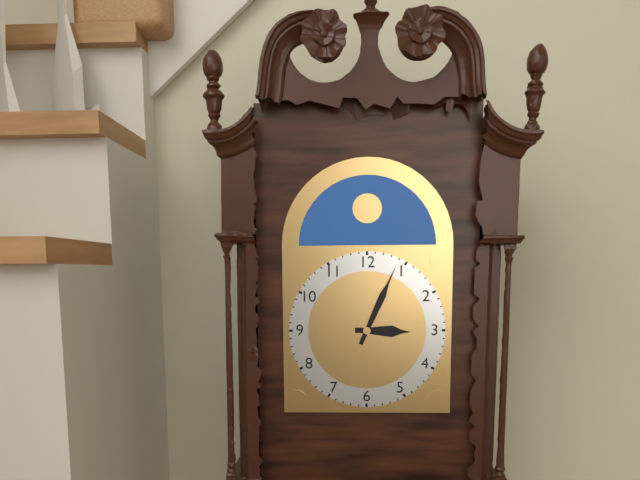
3:04
